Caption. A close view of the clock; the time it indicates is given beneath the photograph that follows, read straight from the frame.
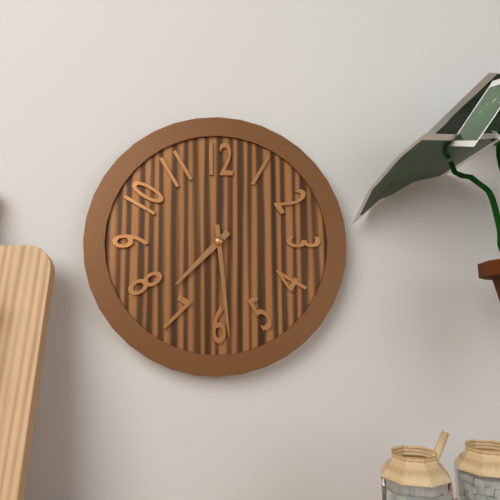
7:29
